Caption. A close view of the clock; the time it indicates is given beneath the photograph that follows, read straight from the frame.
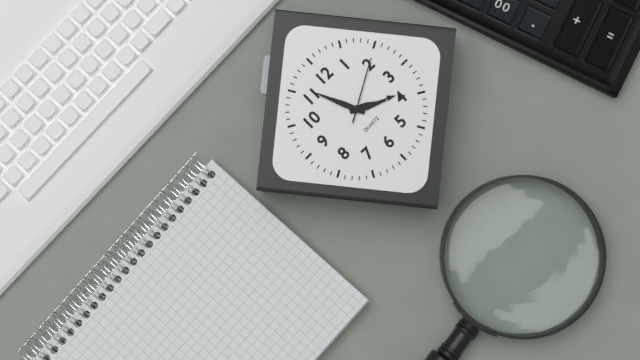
3:56:10
